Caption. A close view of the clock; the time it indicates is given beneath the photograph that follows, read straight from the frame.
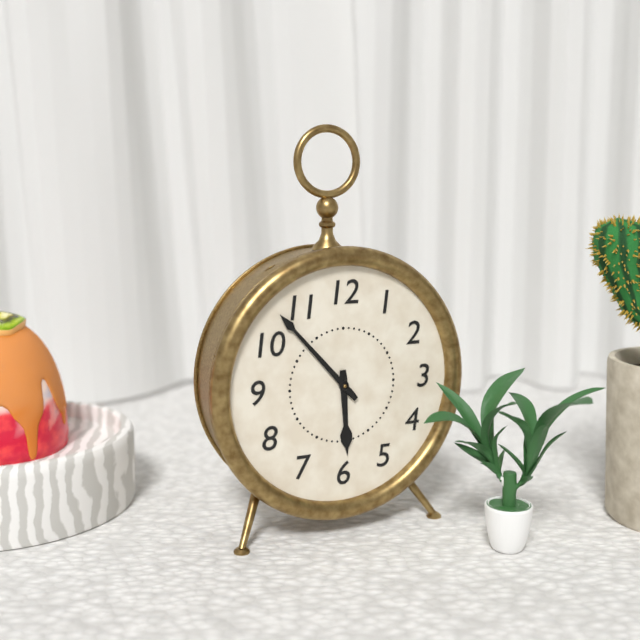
5:53
